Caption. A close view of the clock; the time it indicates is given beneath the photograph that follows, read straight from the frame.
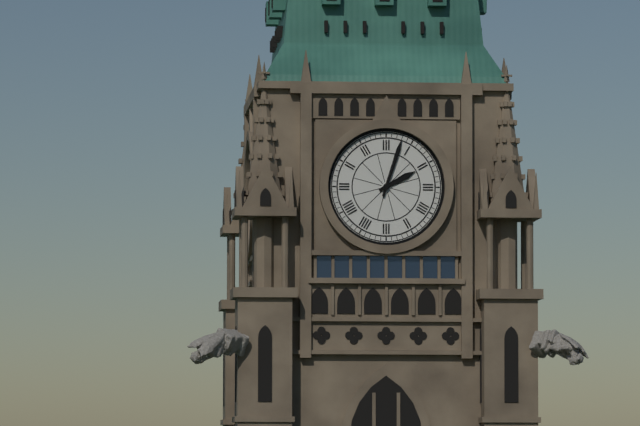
2:03
